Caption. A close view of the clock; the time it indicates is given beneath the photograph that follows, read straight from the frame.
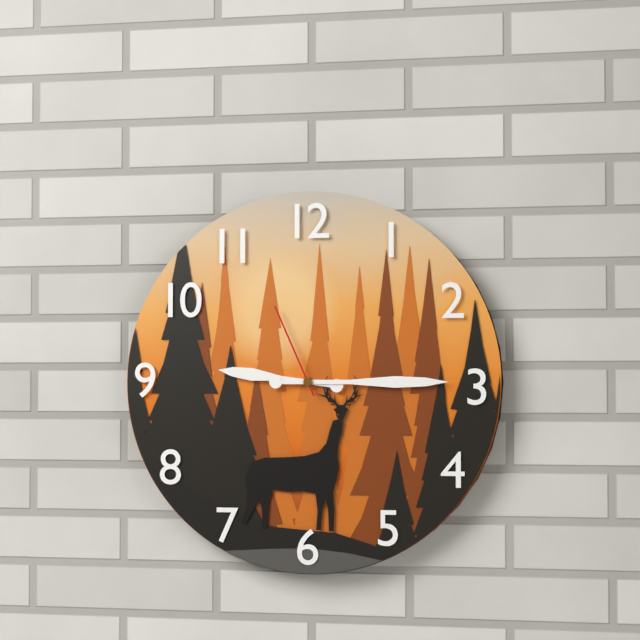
9:15:56
